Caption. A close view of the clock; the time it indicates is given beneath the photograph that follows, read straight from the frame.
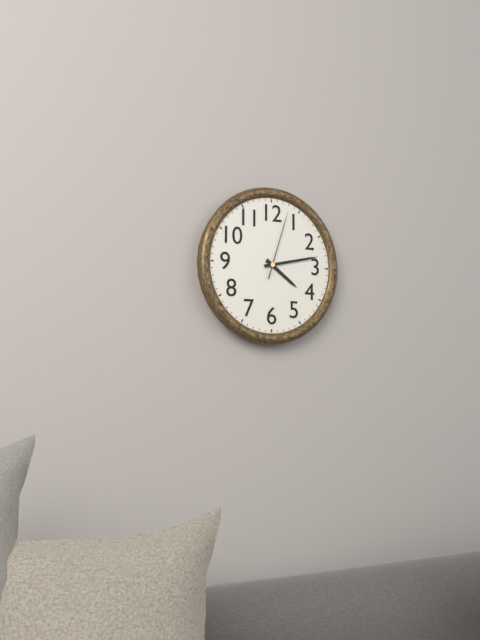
4:13:03
